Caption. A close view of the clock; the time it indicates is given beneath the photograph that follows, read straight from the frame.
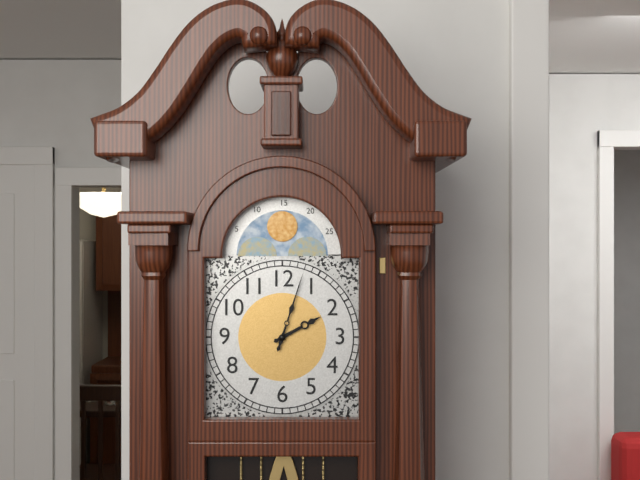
2:03
